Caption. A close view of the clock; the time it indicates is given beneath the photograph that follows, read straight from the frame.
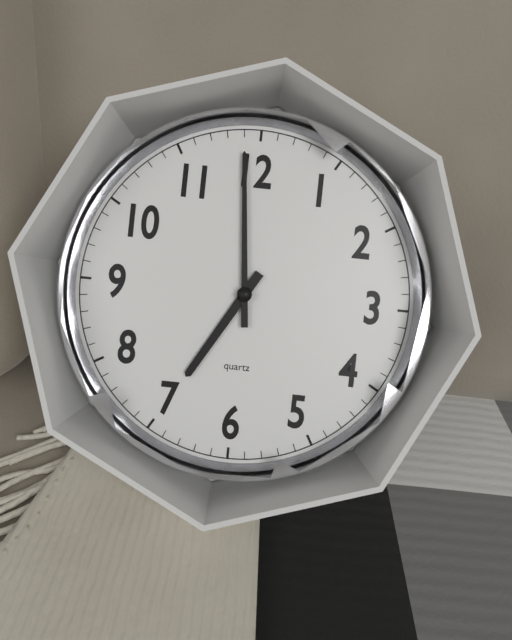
6:59
